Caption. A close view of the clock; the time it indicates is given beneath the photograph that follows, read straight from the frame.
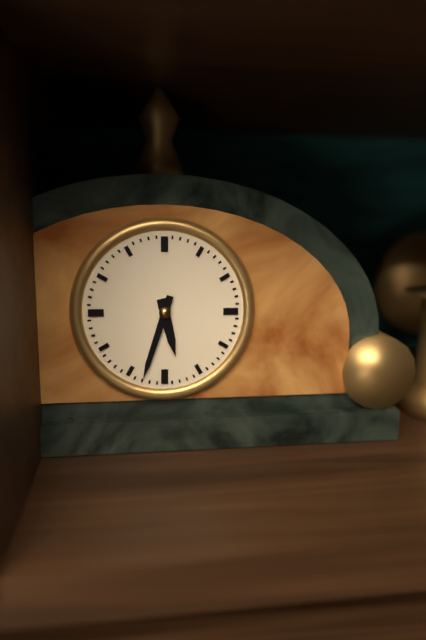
5:33
